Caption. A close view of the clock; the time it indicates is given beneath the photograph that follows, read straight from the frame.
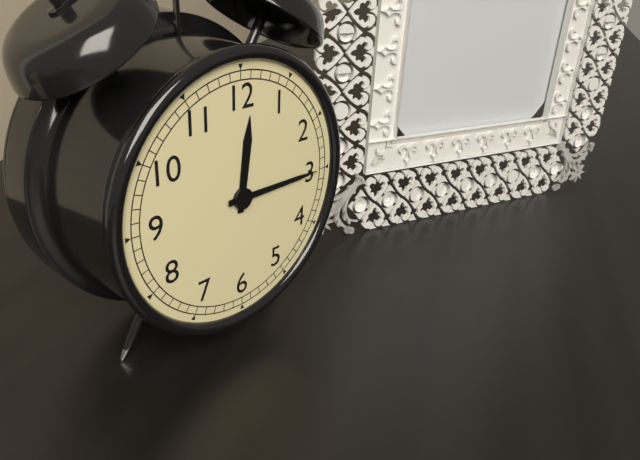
12:15
